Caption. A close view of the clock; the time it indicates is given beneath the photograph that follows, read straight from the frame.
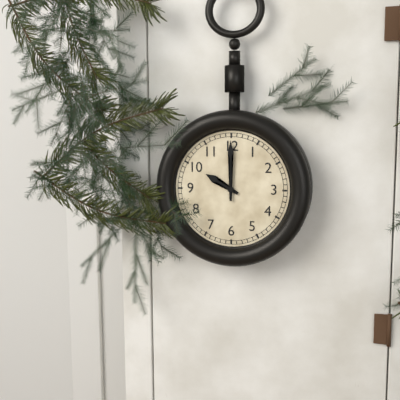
10:00
